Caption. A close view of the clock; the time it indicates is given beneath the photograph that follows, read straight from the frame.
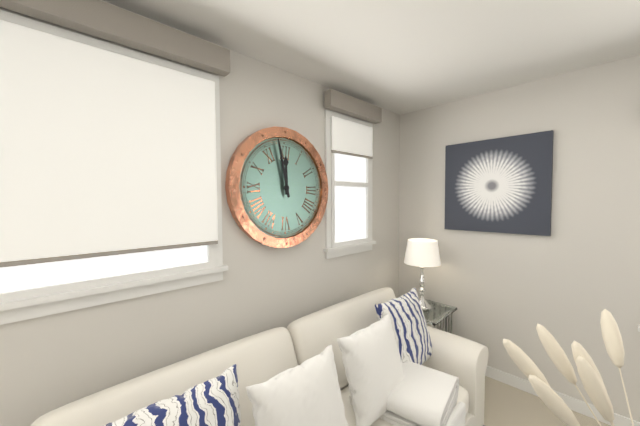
11:58
